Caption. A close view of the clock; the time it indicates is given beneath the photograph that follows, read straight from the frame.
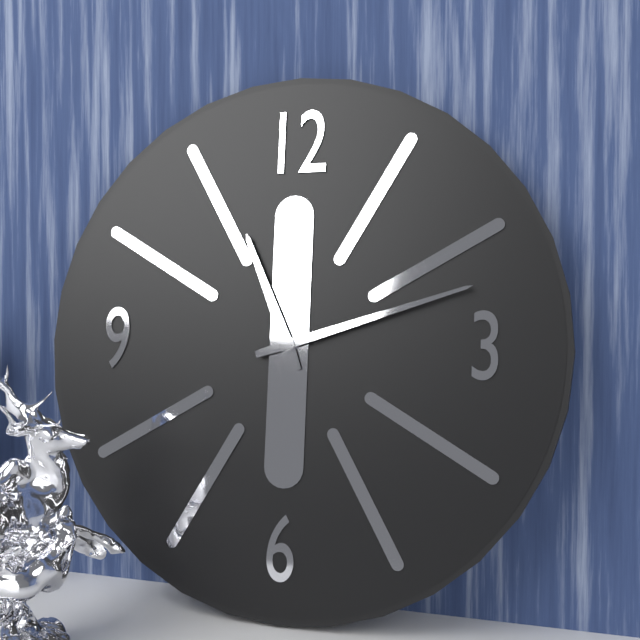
11:12
